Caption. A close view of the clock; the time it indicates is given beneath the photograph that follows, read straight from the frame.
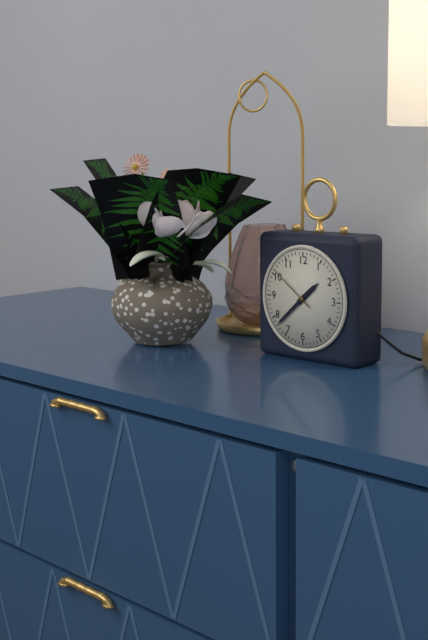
1:38:51
